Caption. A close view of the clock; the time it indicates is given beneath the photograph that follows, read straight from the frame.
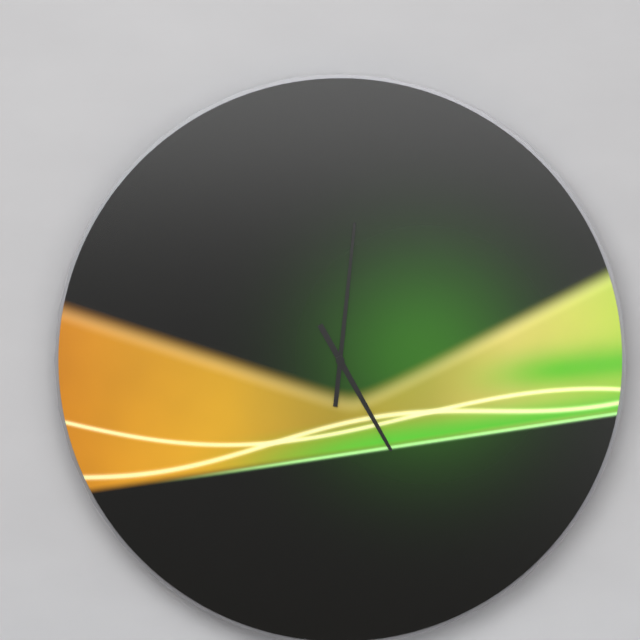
5:01
